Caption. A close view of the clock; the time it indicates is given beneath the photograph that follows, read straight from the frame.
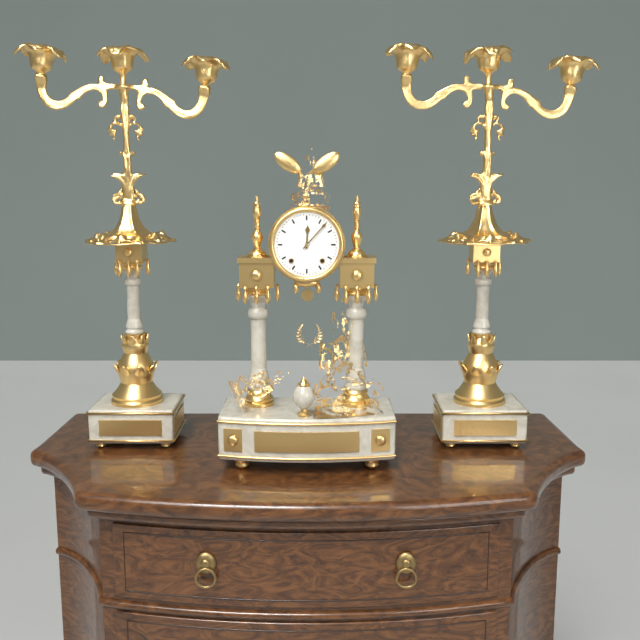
12:07
